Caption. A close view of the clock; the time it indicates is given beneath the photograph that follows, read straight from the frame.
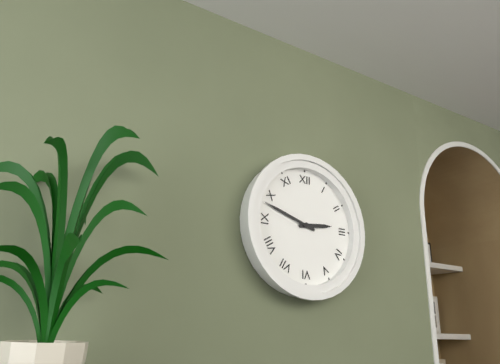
2:48
